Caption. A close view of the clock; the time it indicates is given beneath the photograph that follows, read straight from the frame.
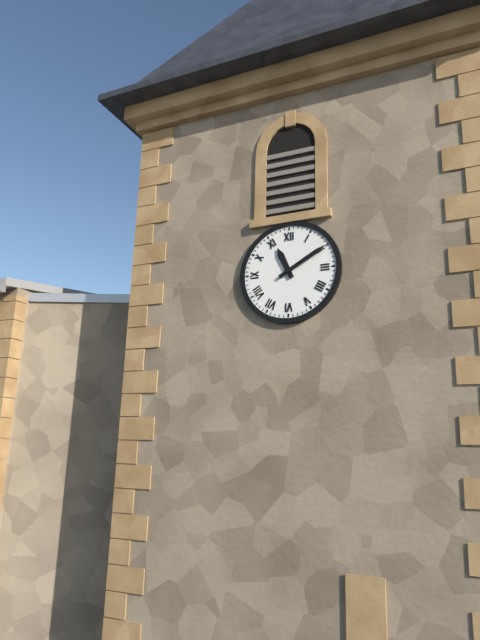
11:10
